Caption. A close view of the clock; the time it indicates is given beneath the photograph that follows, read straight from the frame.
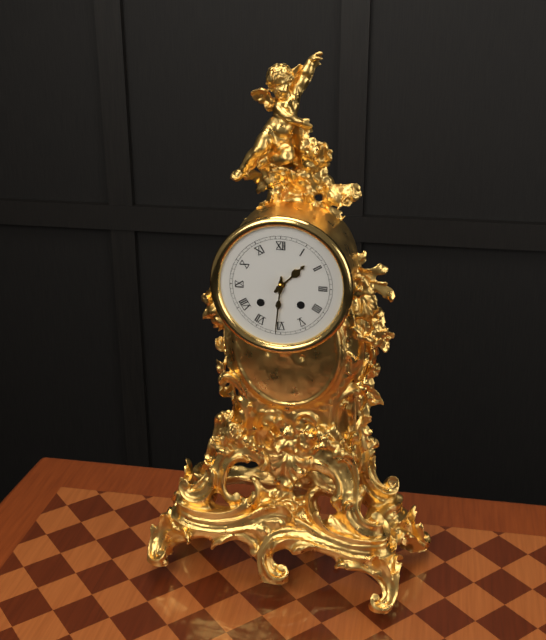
1:31
